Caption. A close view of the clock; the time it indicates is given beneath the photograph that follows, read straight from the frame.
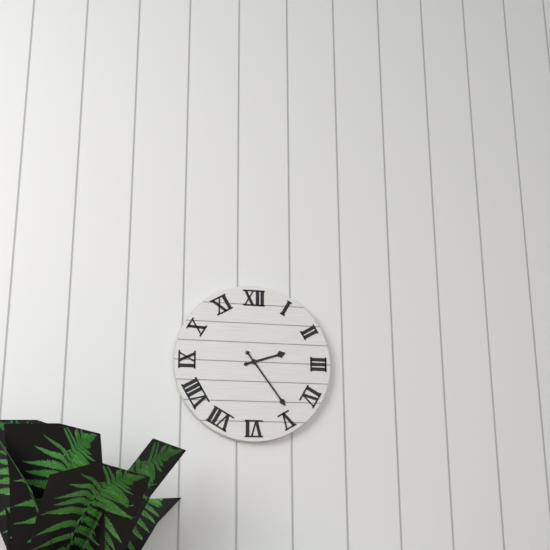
2:24
